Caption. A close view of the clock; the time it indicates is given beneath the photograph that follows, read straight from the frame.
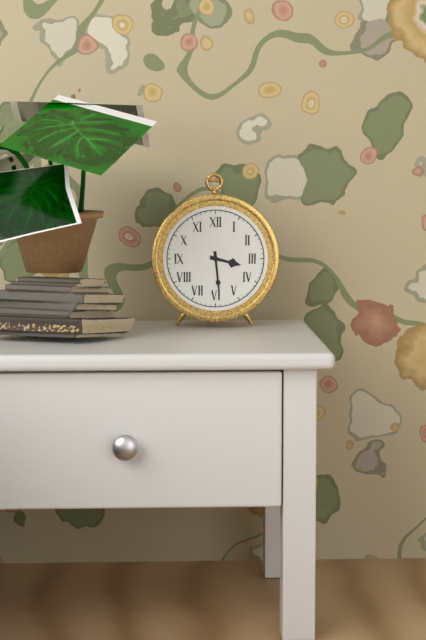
3:29
